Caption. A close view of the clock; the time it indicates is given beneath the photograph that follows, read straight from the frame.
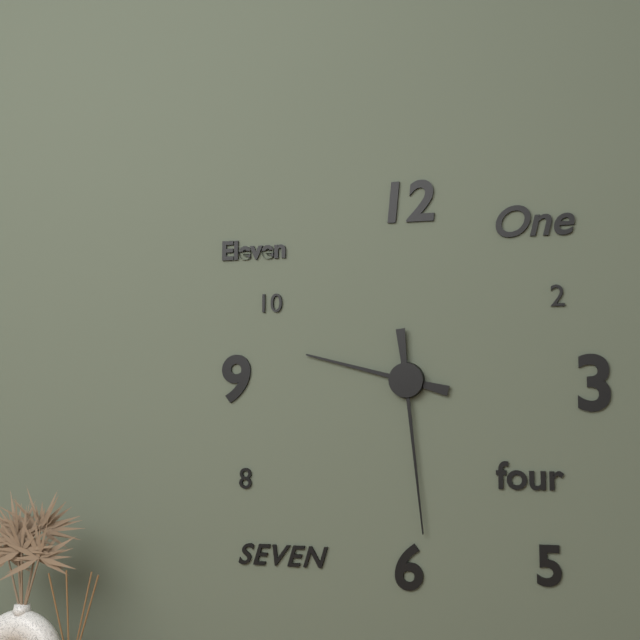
9:29
